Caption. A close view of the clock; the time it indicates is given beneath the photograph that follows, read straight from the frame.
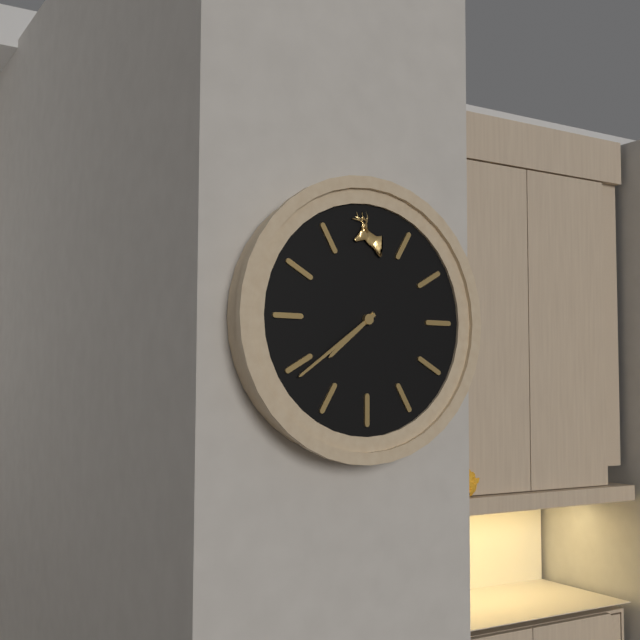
7:39
